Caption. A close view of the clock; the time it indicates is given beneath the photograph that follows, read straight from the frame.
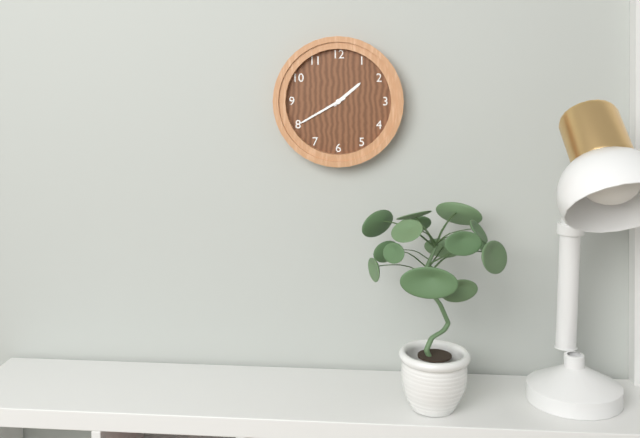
1:40
